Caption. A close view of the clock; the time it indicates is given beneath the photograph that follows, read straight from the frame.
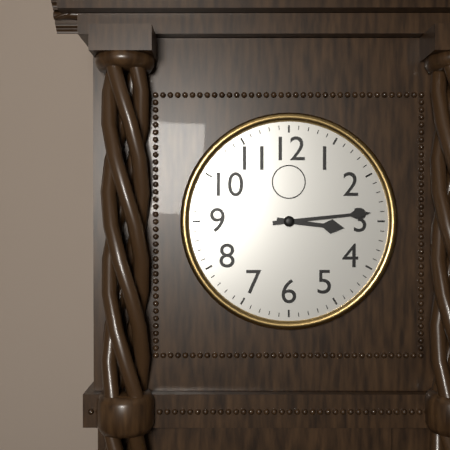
3:14
